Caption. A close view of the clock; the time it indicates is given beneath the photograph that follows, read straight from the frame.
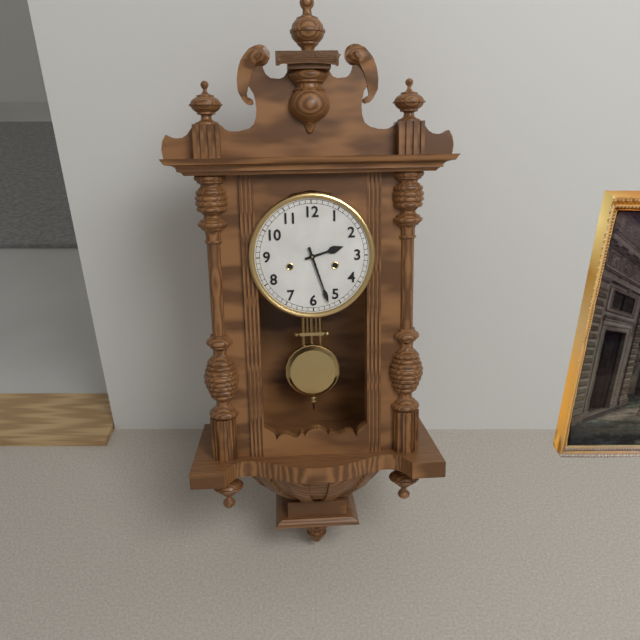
2:27
